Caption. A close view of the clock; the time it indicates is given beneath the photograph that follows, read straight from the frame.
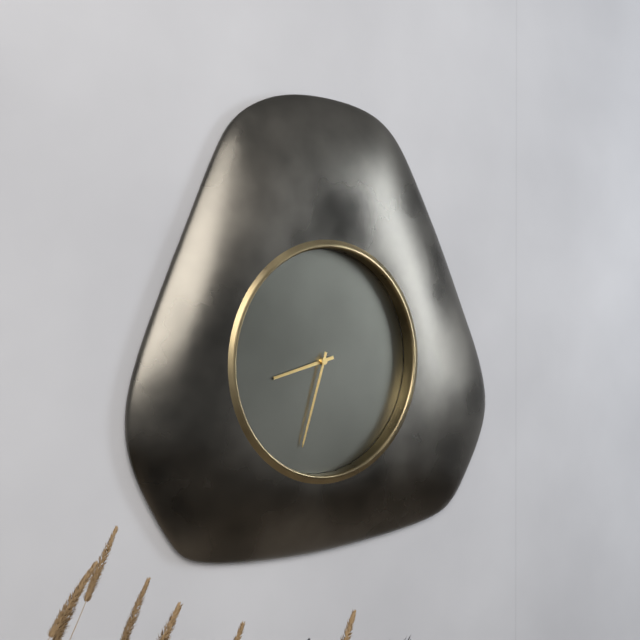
8:33
